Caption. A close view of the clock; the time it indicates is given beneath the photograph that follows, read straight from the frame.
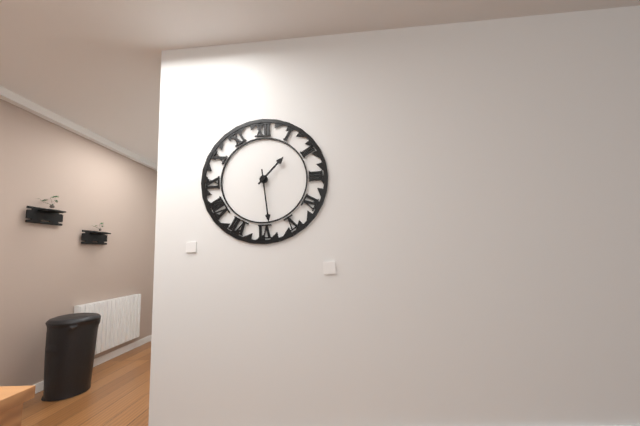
1:29
